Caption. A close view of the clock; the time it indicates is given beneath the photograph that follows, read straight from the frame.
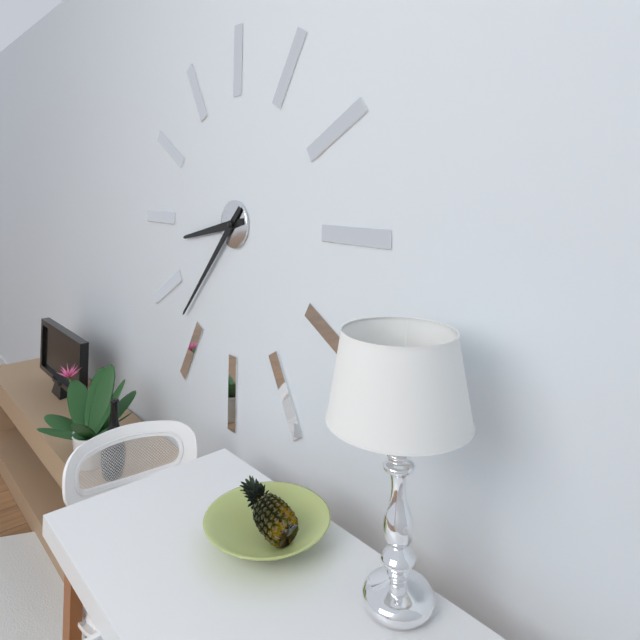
8:37
